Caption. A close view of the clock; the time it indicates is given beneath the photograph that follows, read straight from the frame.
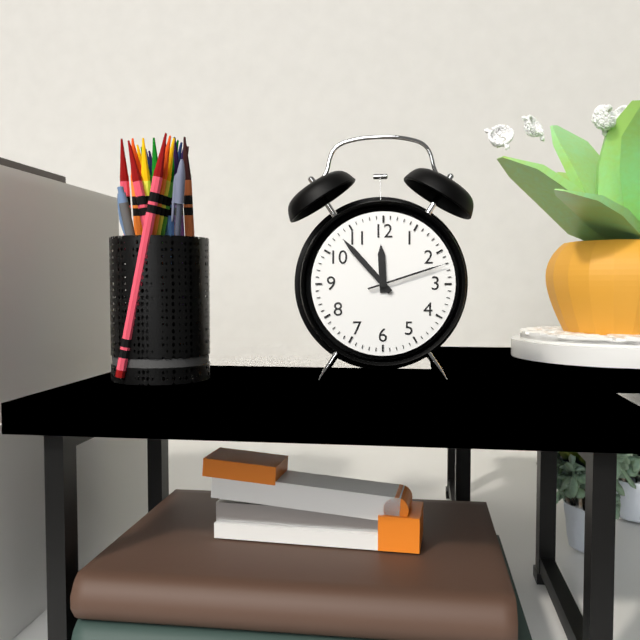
11:53:12
